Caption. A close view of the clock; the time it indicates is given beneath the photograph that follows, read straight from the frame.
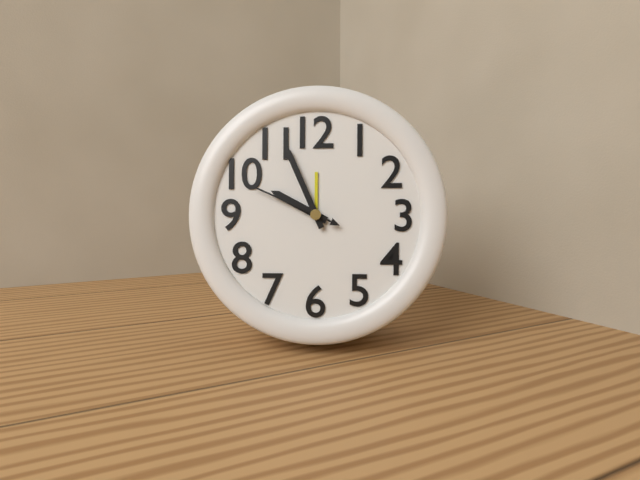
9:56:49
